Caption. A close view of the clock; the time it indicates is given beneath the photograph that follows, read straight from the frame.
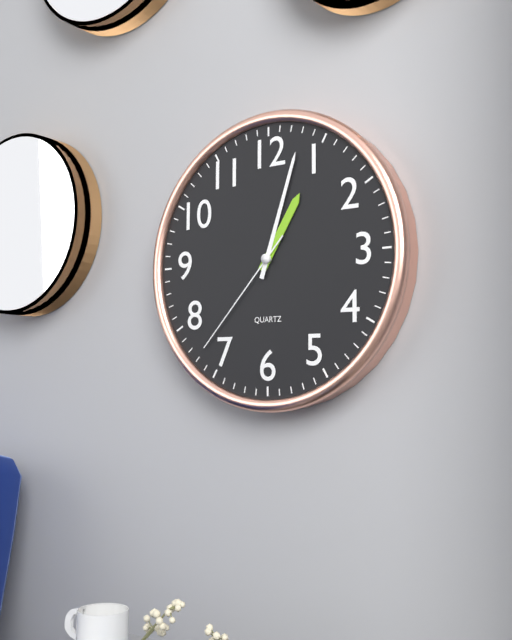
1:03:37
